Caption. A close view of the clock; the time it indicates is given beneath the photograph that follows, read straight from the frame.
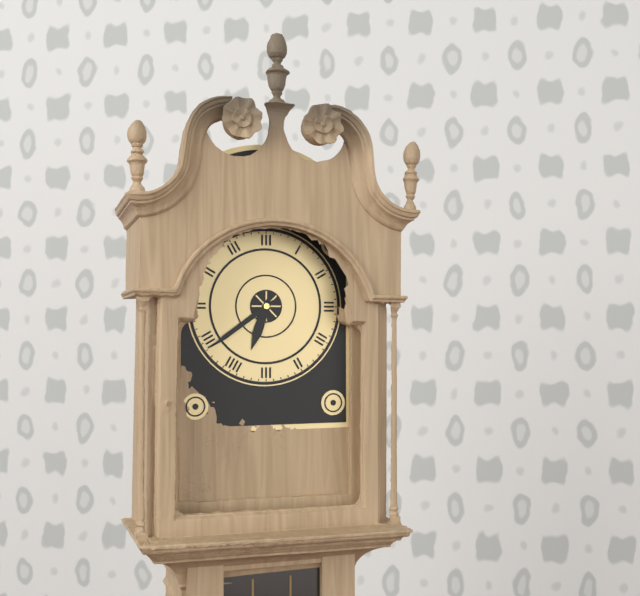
6:39
